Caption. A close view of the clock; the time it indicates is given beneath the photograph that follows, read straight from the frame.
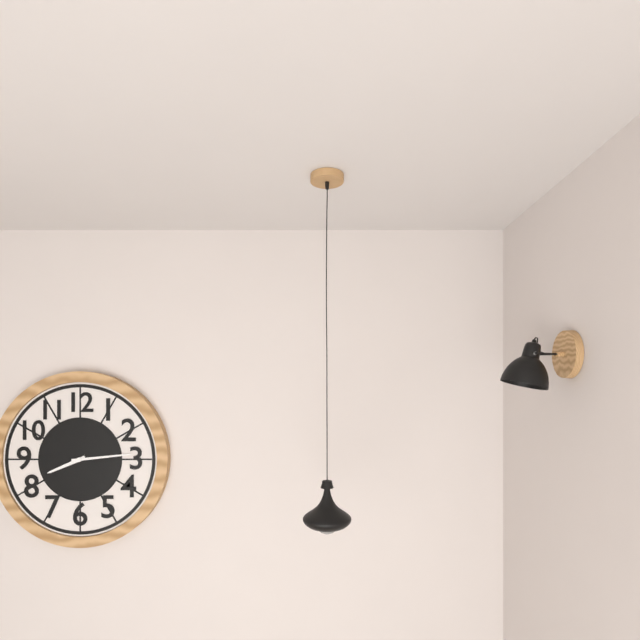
8:14
